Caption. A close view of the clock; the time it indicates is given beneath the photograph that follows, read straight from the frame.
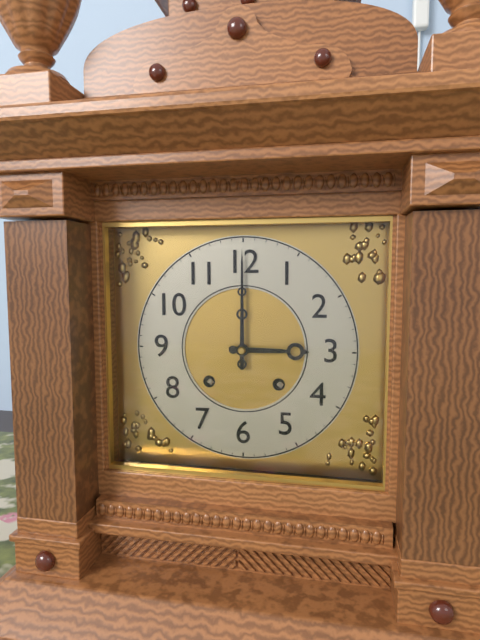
3:00
